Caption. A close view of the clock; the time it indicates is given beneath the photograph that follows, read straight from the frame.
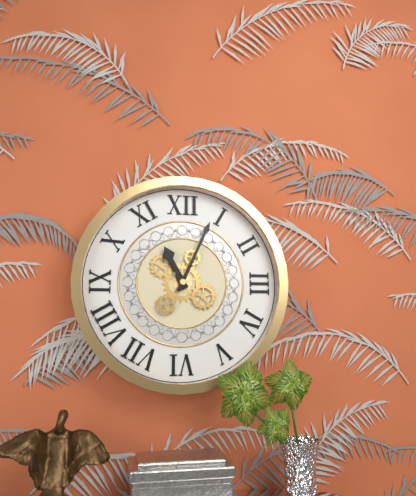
11:04
